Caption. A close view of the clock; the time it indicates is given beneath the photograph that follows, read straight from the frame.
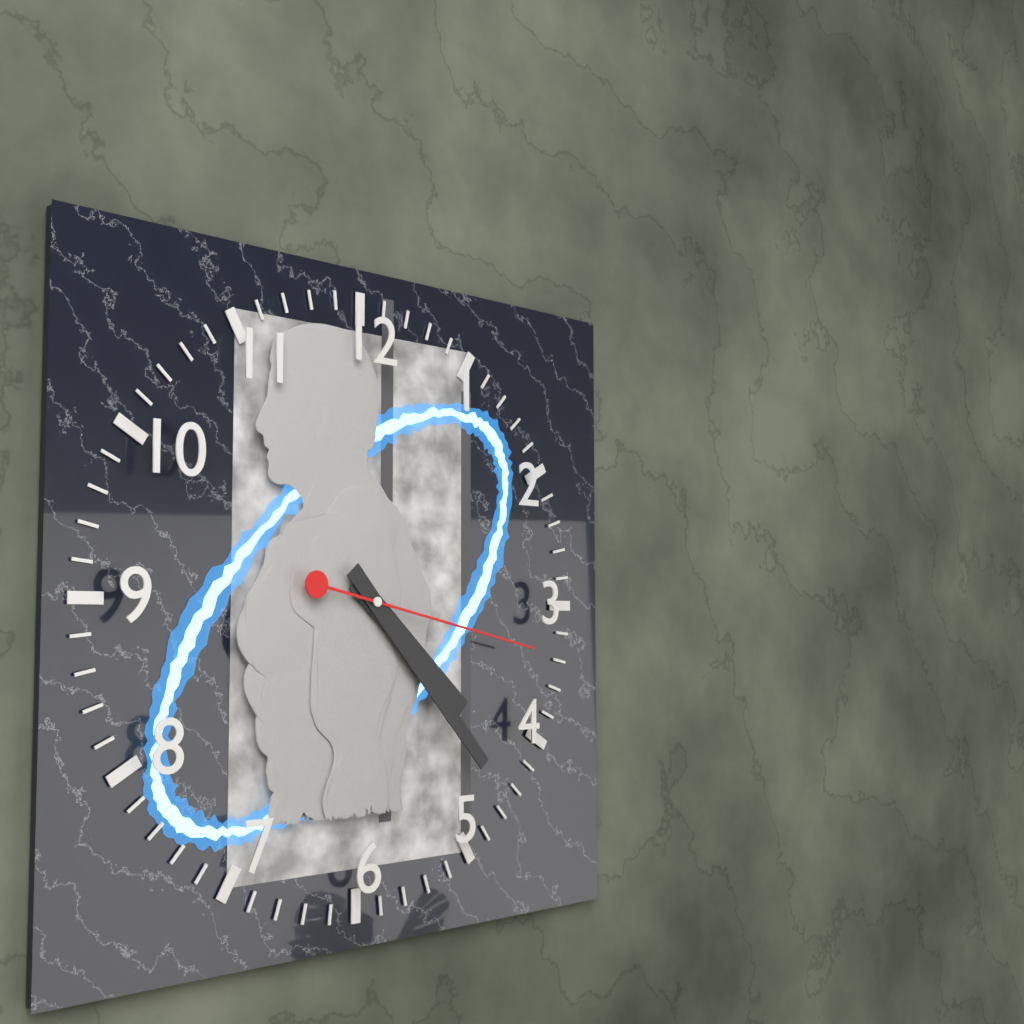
4:23:17
